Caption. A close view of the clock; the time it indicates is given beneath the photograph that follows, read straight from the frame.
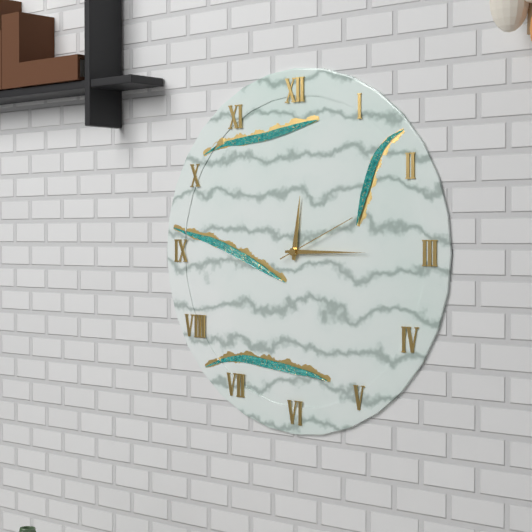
12:15:11
